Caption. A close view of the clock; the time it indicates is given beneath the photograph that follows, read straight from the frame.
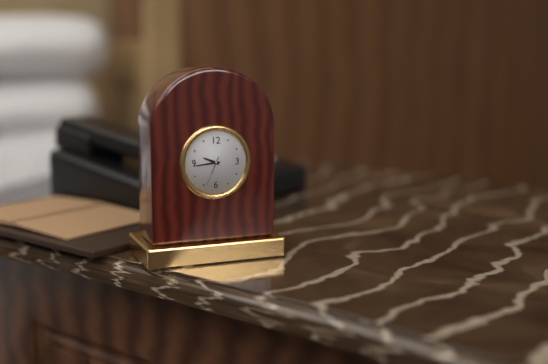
9:44
